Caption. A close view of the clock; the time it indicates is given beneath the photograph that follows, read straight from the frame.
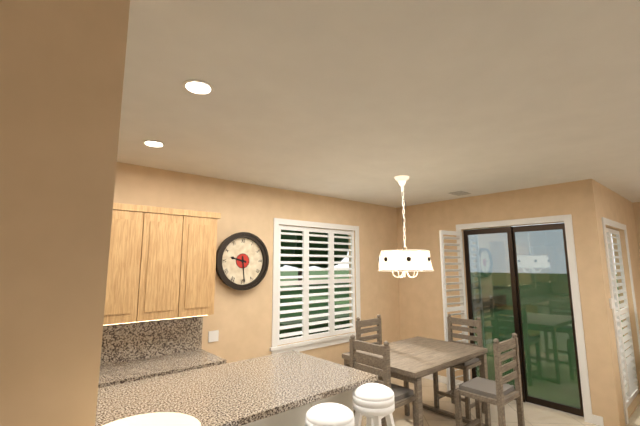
9:29
